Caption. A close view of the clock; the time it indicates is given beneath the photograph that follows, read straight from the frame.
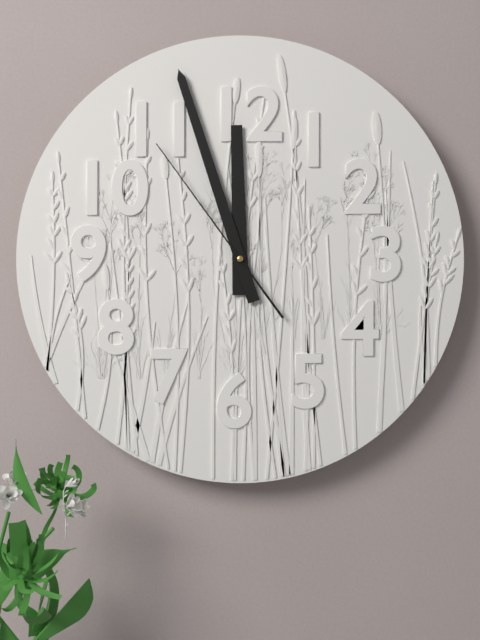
11:57:54
